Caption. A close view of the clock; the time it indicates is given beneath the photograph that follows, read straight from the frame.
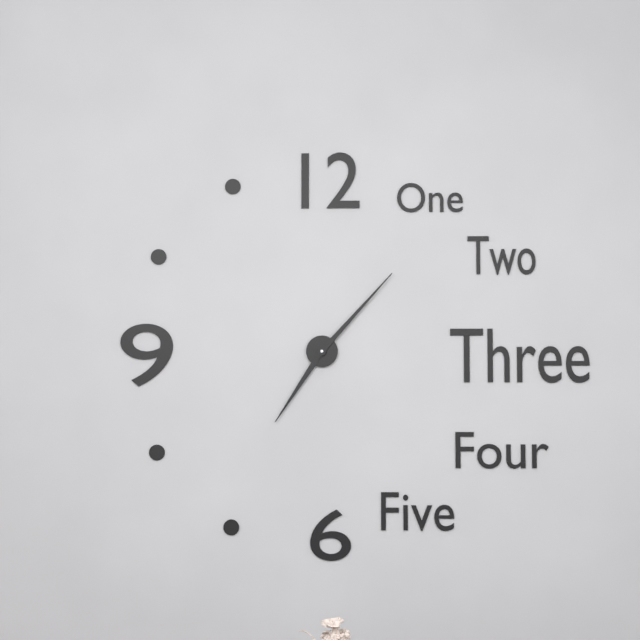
7:07
